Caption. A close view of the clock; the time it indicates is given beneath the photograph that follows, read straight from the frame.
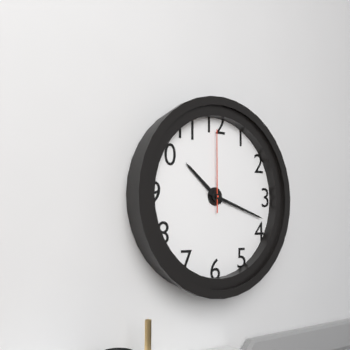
10:18:00
